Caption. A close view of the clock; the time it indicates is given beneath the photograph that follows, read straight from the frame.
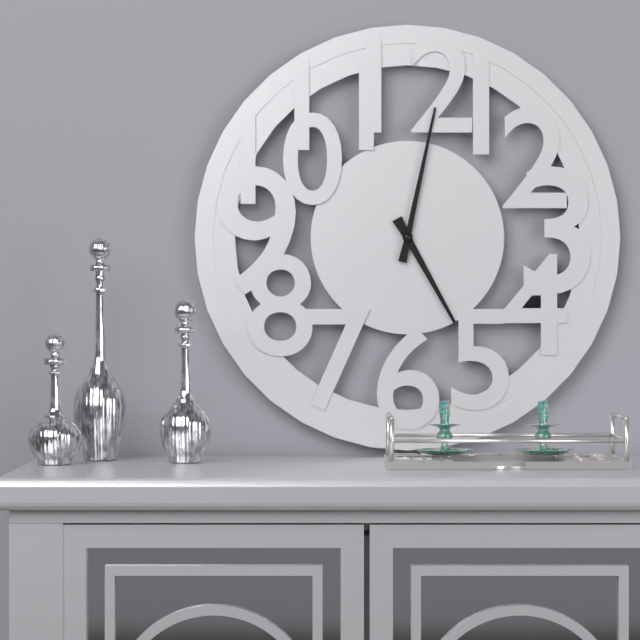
5:02
